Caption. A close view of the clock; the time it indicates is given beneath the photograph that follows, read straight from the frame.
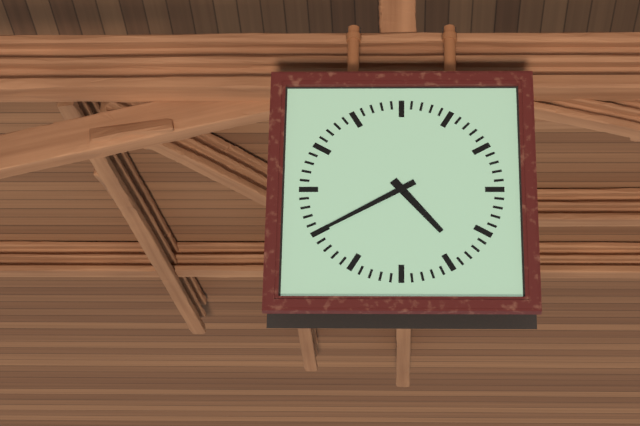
4:40
